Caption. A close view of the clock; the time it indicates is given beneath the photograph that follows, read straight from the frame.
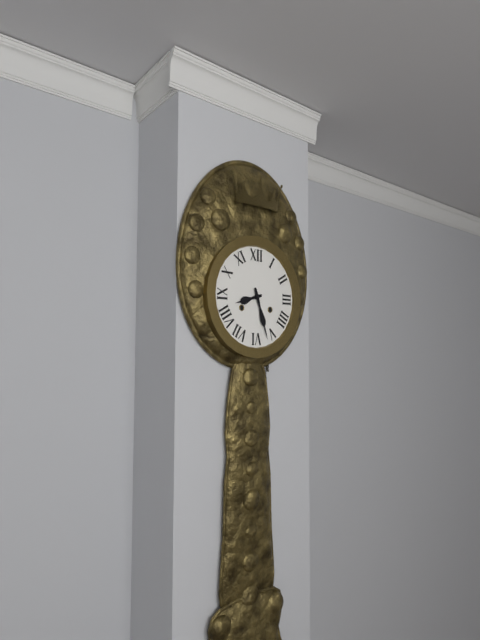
8:27
